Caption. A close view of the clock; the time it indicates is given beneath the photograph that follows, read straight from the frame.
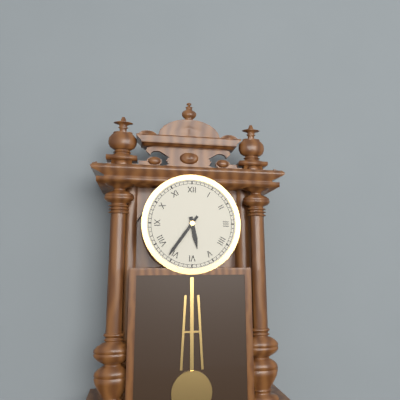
5:36
